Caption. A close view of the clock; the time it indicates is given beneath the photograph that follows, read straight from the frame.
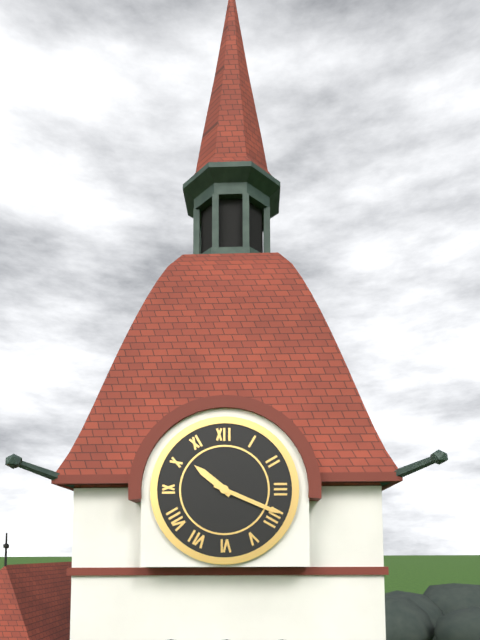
10:19
